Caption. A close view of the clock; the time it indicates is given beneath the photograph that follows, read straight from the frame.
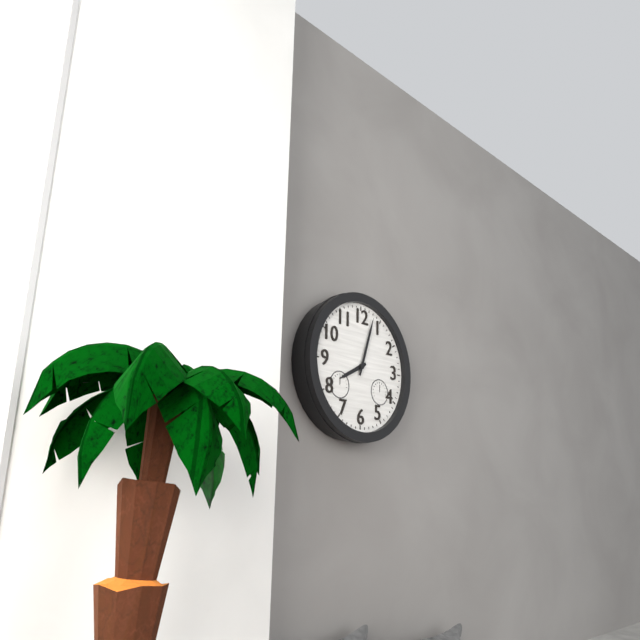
8:03
